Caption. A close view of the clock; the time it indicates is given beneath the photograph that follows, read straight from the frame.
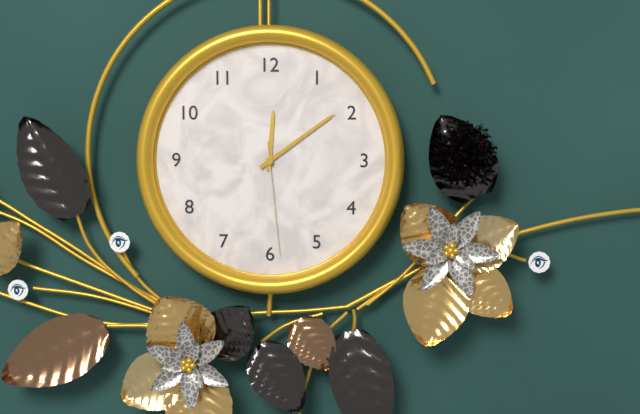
12:09:29
